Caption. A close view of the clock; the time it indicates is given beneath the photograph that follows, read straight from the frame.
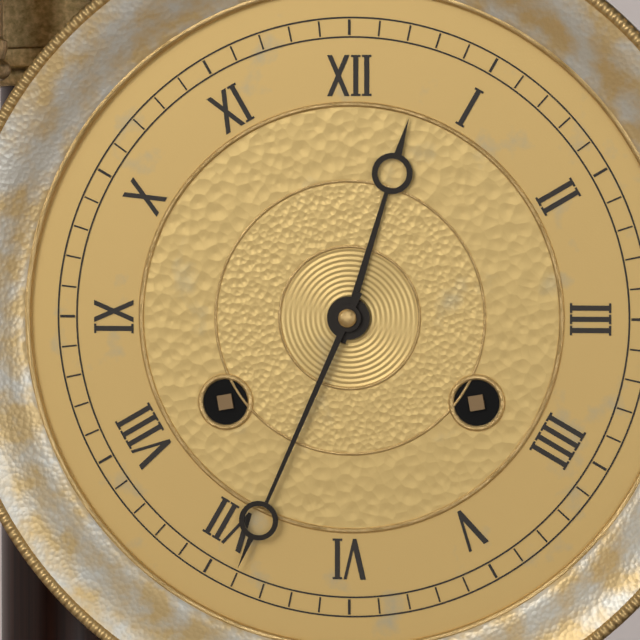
12:34
